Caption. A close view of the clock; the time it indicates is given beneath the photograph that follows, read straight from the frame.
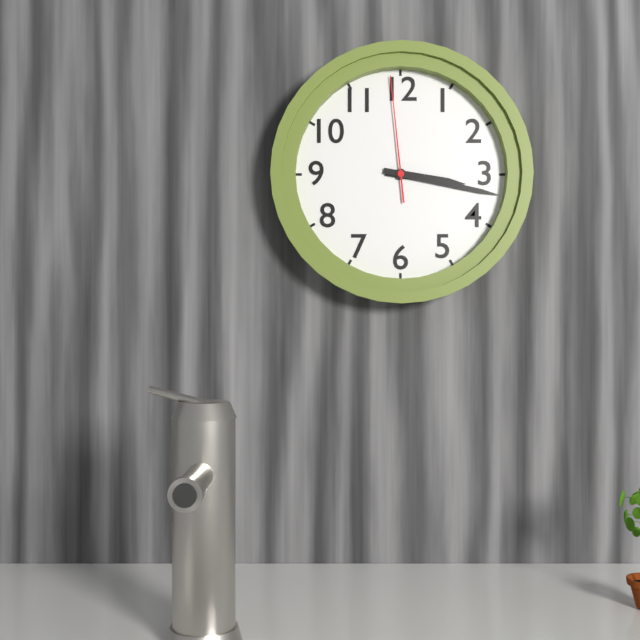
3:17:59
